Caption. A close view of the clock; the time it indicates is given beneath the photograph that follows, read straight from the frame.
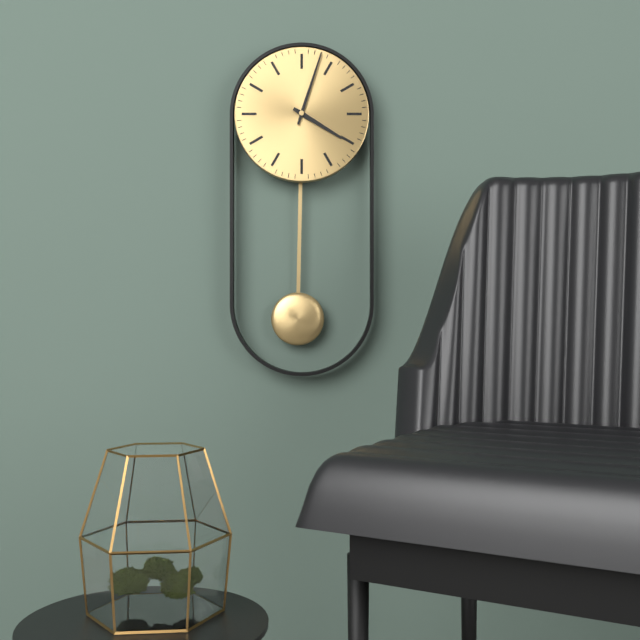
4:03
